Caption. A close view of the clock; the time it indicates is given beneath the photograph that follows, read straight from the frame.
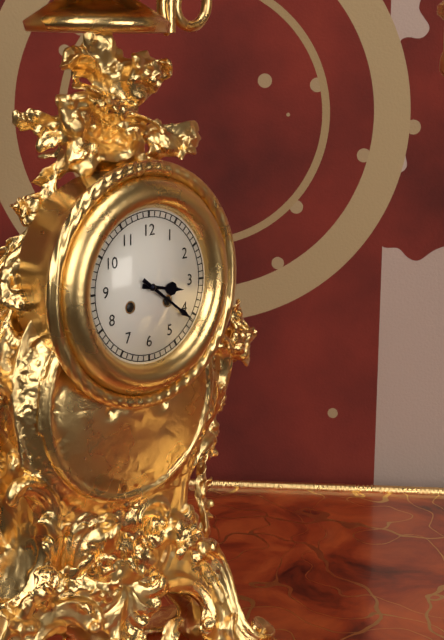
3:21
